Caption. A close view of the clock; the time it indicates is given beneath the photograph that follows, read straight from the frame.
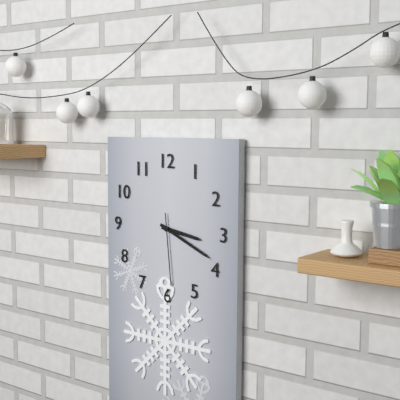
3:19:29
